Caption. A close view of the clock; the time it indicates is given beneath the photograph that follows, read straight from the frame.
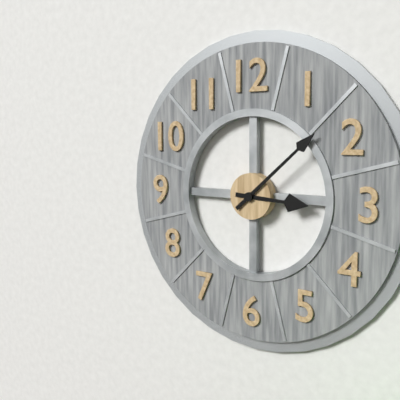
3:08
